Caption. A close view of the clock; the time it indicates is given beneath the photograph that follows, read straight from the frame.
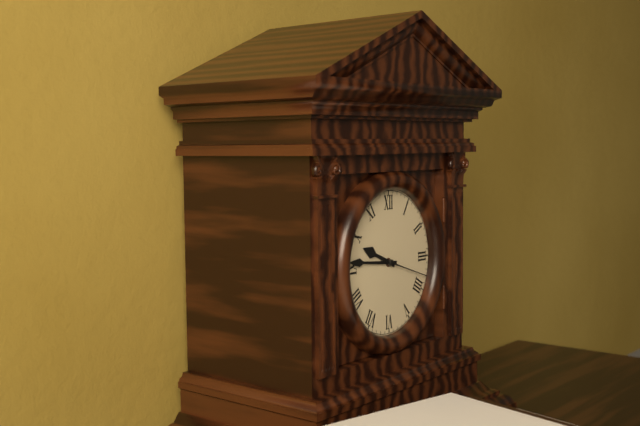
9:46
